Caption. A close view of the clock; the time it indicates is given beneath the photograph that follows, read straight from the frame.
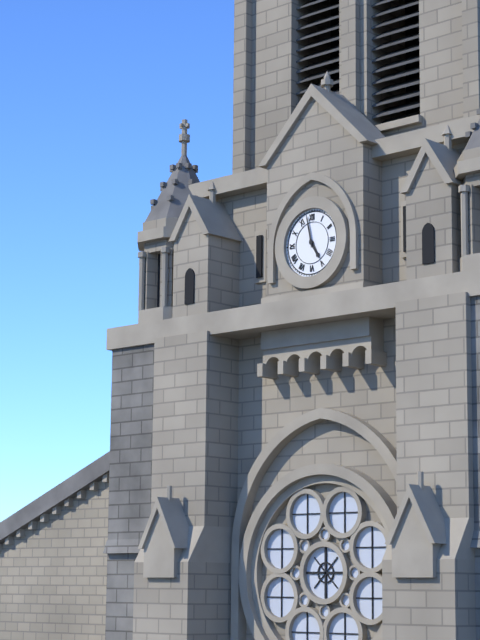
4:58
